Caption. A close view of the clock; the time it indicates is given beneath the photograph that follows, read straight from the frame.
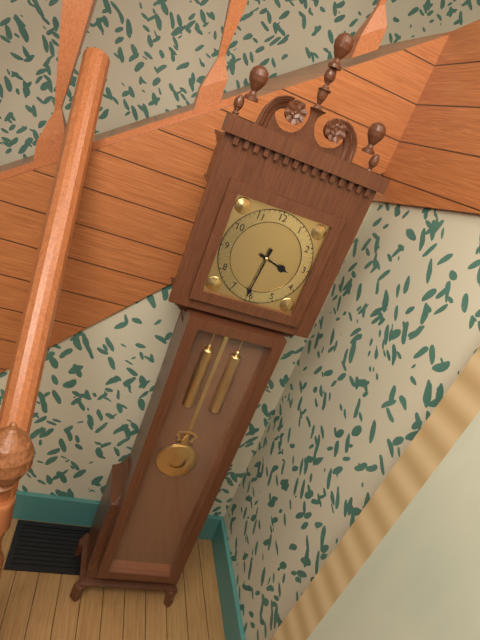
3:31
